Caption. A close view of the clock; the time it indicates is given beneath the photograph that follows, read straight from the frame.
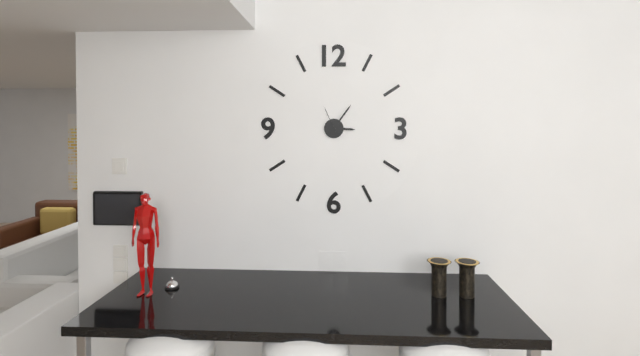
3:06
